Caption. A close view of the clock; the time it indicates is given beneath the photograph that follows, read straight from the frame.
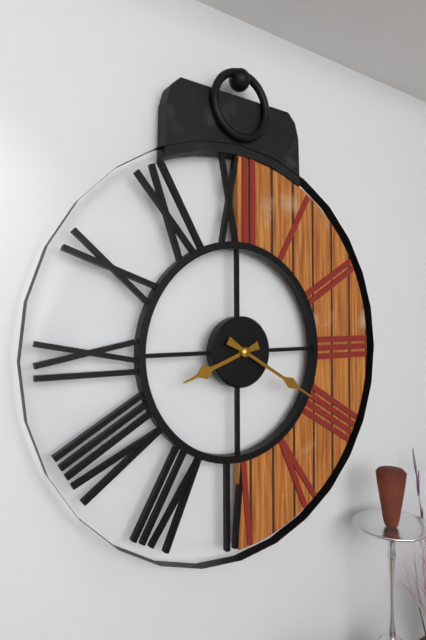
8:20
